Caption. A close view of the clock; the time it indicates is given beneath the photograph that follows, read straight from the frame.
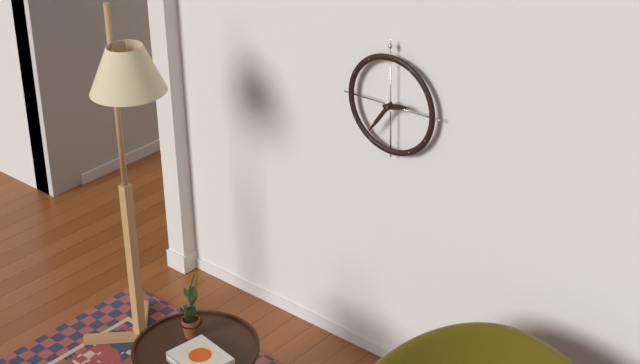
2:36
